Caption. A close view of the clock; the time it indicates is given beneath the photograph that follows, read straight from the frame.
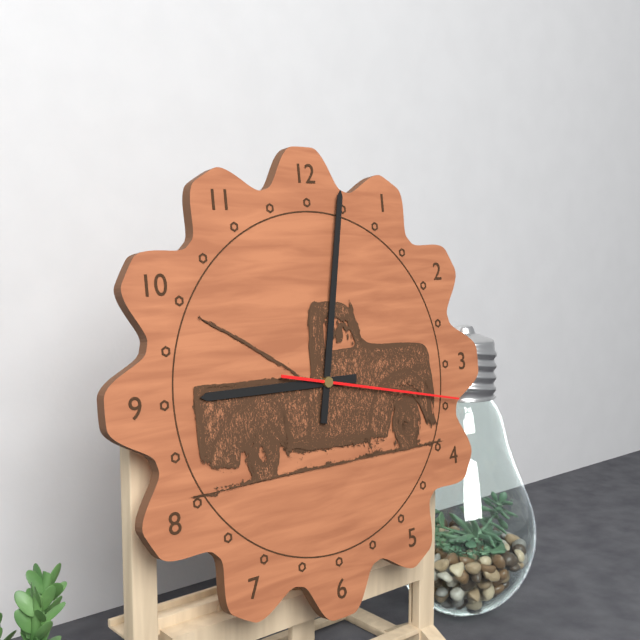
9:02:17
